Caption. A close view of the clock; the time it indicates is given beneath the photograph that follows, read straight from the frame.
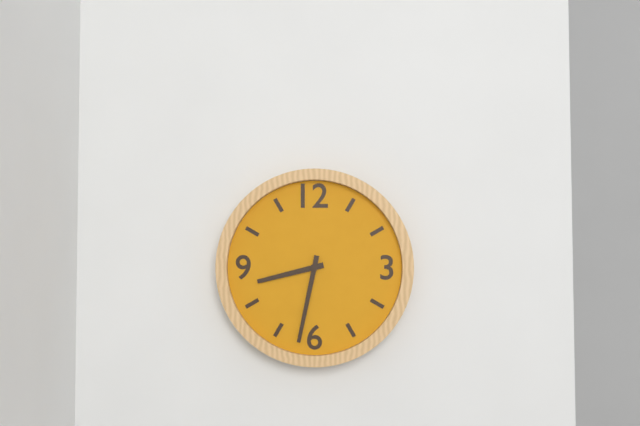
8:32
